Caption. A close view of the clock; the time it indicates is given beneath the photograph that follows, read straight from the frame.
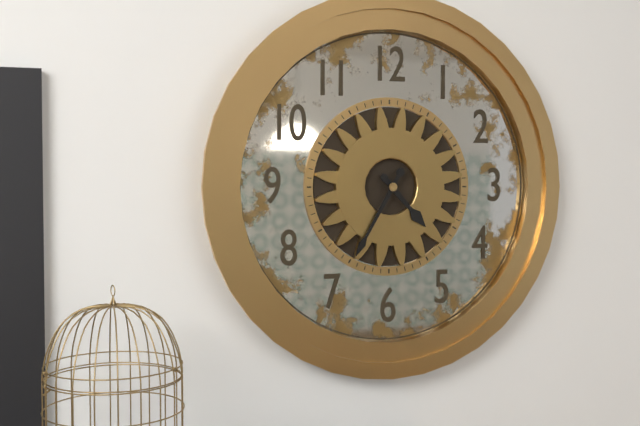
4:35
